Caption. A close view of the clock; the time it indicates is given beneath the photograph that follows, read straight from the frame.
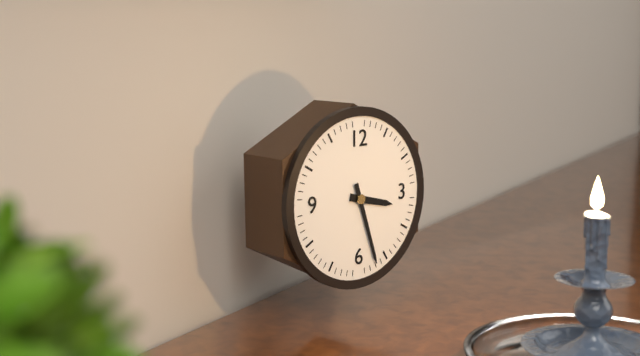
3:27
